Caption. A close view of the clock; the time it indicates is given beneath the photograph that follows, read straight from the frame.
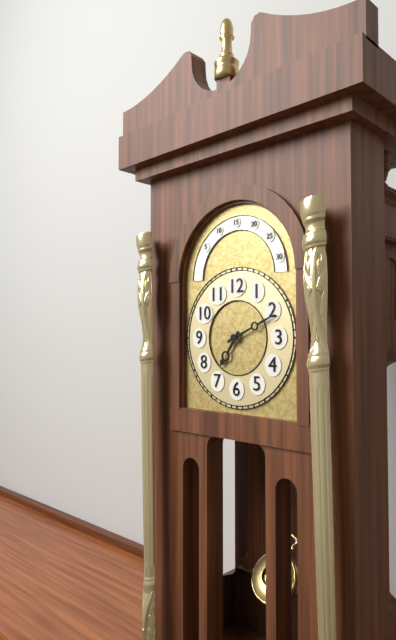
7:11
